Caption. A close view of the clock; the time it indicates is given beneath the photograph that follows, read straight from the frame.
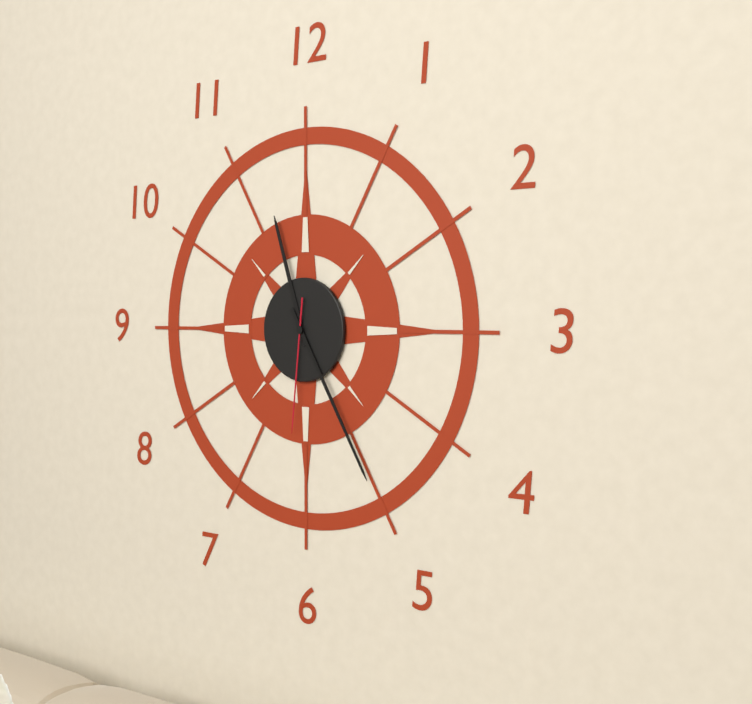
11:25:31
